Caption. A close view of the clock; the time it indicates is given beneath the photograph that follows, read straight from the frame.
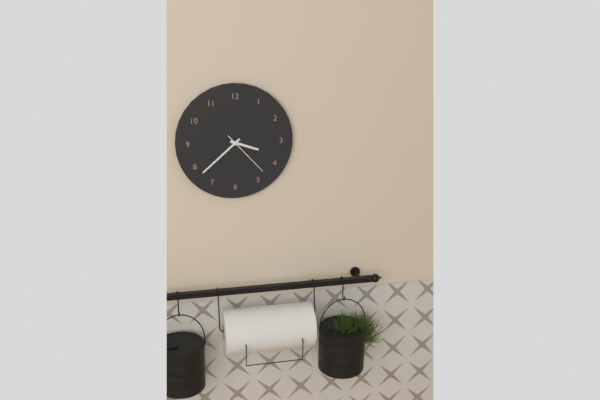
3:38
